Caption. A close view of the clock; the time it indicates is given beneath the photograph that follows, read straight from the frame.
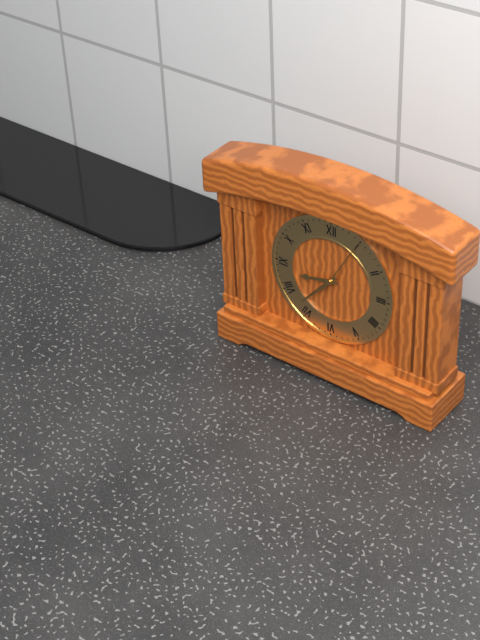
8:37:05
